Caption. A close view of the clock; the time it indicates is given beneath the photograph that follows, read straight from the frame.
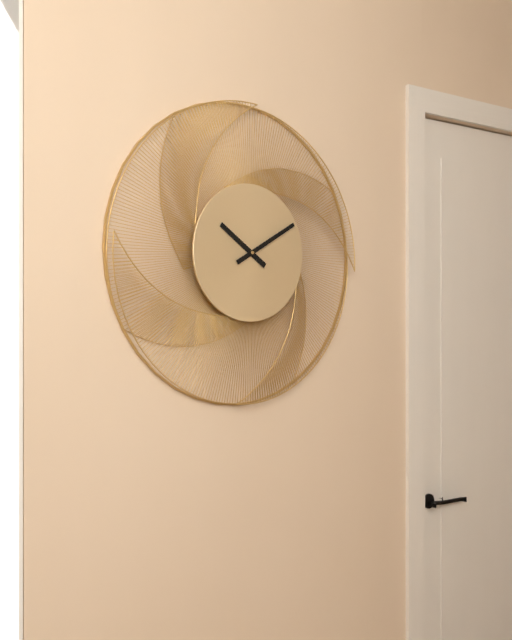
10:10
